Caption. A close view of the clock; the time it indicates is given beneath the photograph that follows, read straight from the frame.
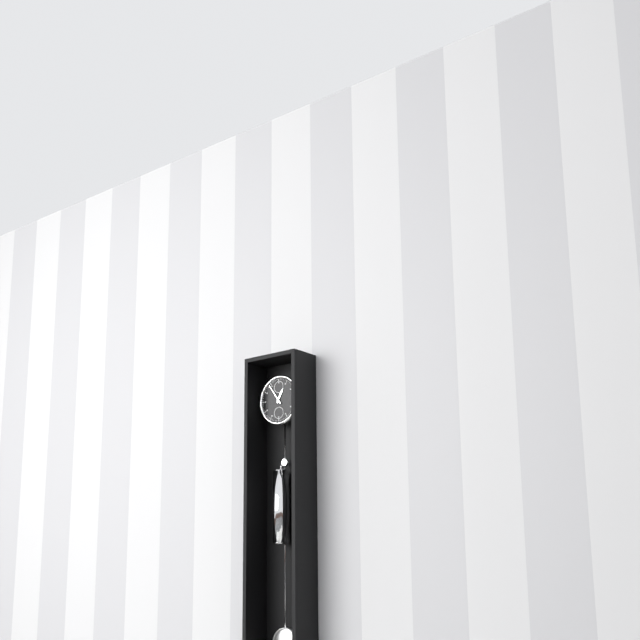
12:54
